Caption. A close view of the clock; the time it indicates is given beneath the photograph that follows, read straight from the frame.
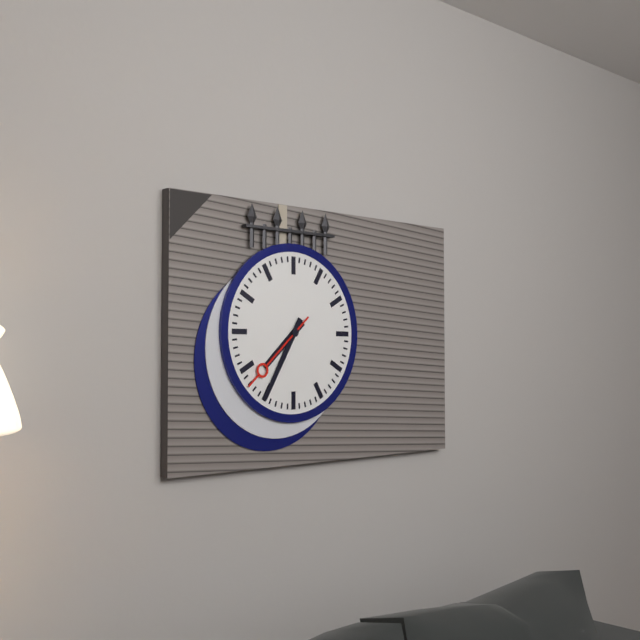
7:35:38
